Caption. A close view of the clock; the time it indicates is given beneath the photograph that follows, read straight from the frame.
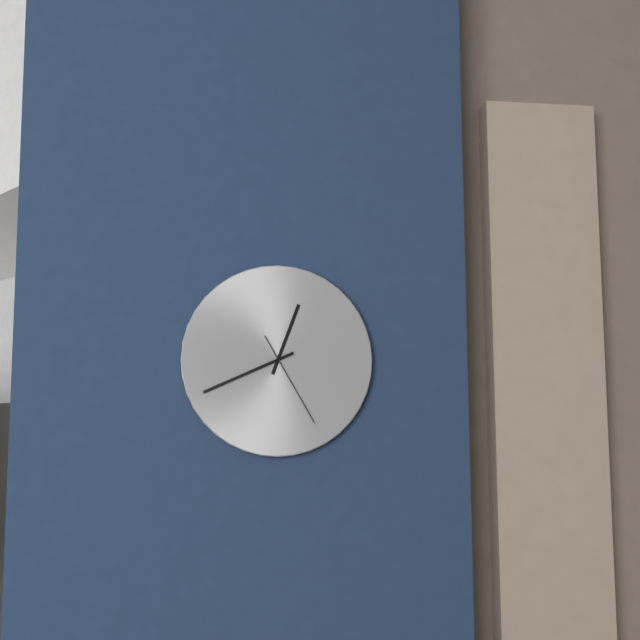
12:41:25
